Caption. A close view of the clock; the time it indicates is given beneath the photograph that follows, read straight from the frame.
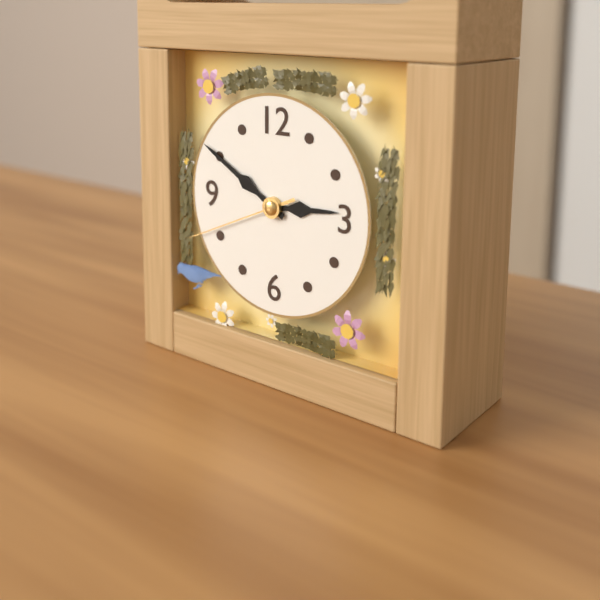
2:50:41
